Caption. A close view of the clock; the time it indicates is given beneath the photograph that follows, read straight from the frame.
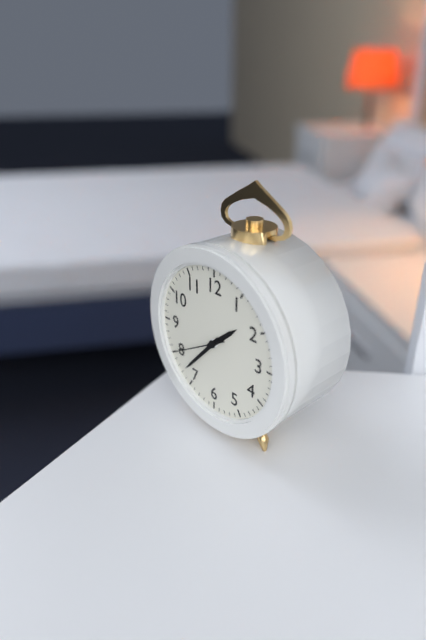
1:37
